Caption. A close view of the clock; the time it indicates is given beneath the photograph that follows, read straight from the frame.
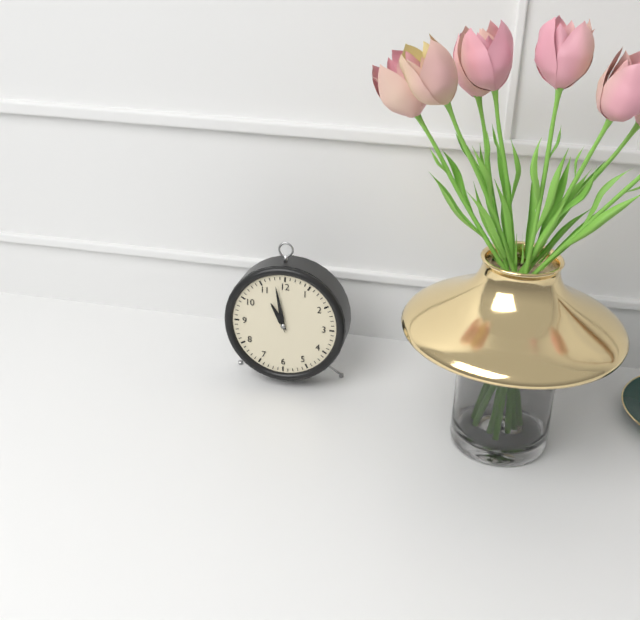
10:58
